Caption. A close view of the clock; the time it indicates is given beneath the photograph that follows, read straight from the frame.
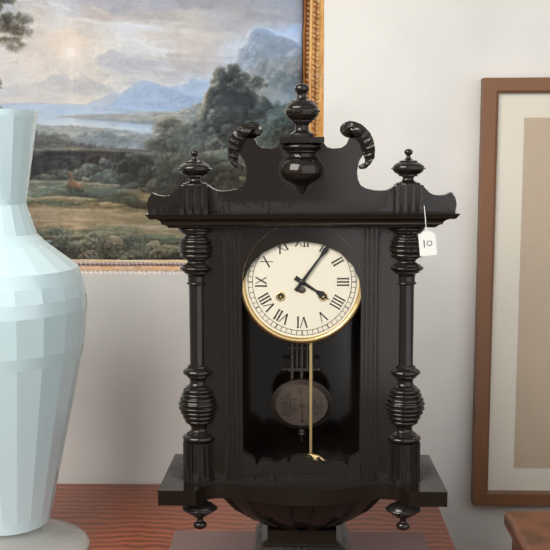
4:06
